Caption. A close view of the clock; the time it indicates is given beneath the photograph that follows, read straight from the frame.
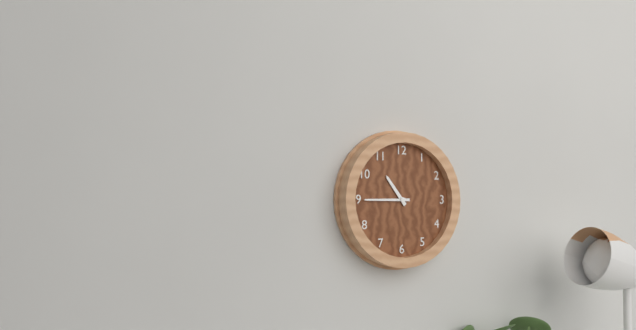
10:45
